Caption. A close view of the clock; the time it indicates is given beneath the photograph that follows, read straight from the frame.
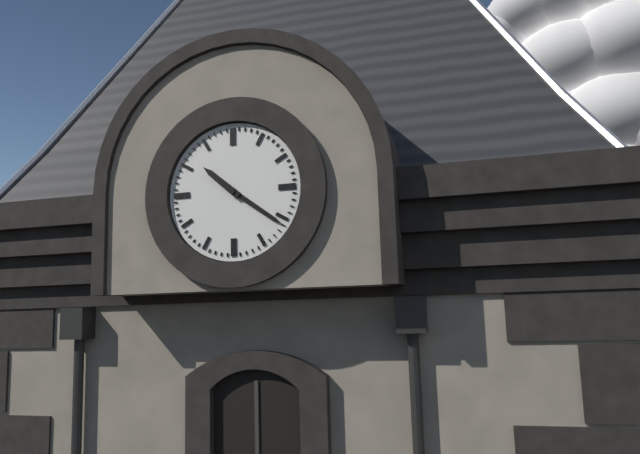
10:21
